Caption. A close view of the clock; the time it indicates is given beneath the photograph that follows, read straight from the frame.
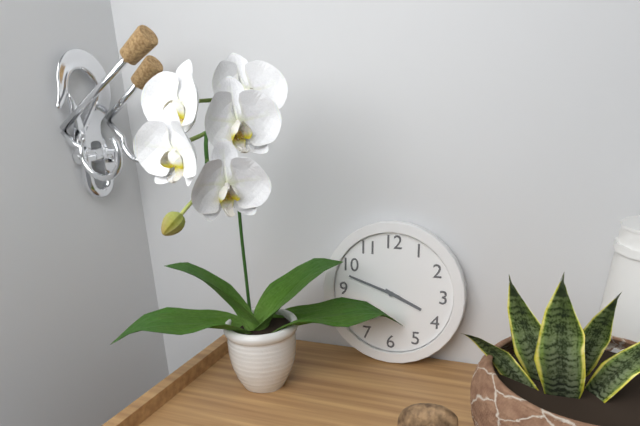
3:48
